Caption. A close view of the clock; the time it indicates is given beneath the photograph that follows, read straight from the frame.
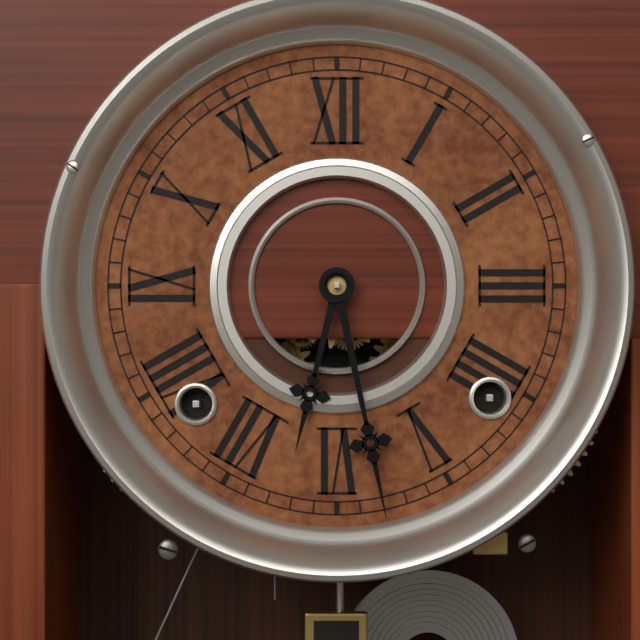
6:28
